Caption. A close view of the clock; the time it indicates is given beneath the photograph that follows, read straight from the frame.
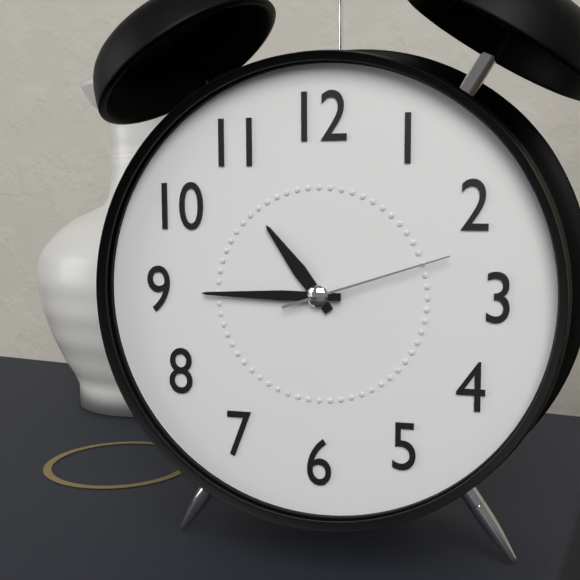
10:45:12
